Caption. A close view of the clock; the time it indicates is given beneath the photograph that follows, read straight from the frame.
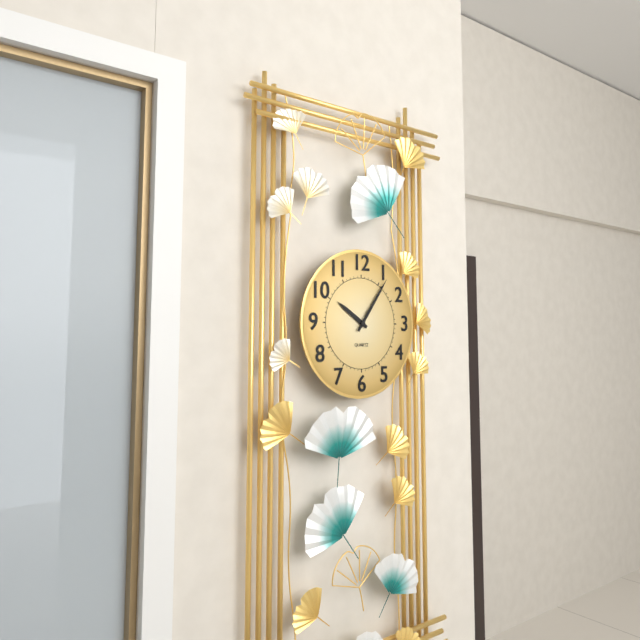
10:06
